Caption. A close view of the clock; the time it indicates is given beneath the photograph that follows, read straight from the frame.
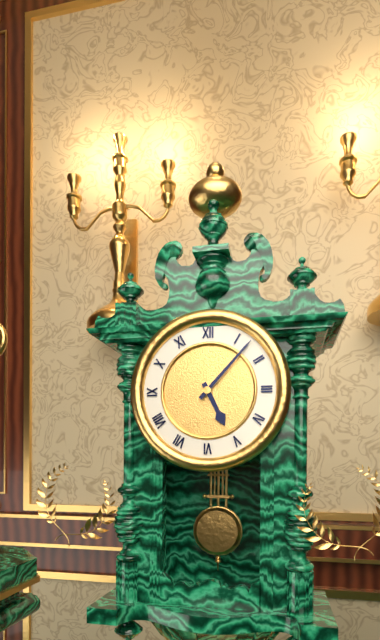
5:07
